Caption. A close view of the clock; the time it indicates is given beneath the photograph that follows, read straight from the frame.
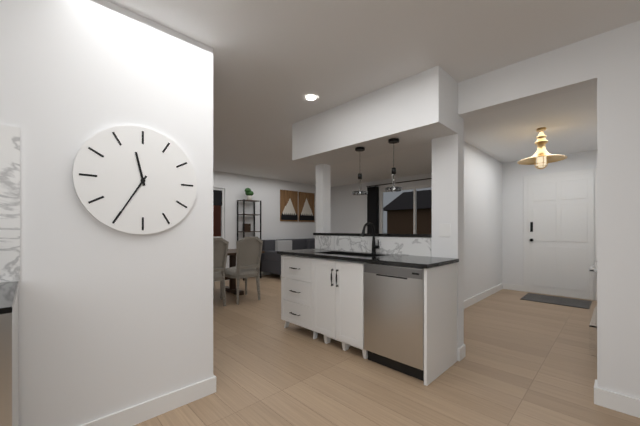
11:35
